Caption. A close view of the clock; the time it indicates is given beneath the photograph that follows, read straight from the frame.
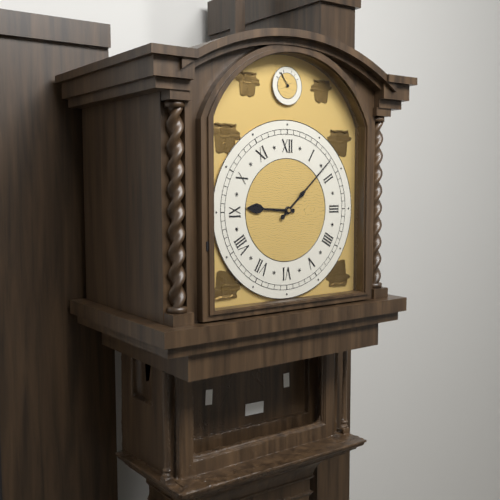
9:08
